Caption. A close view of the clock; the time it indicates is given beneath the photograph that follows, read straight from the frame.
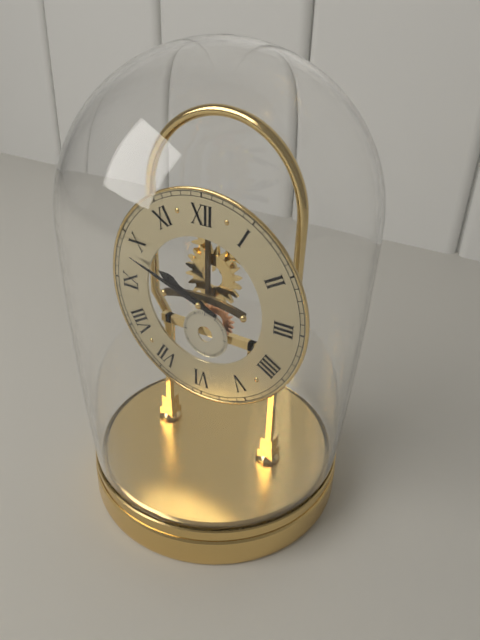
9:48
